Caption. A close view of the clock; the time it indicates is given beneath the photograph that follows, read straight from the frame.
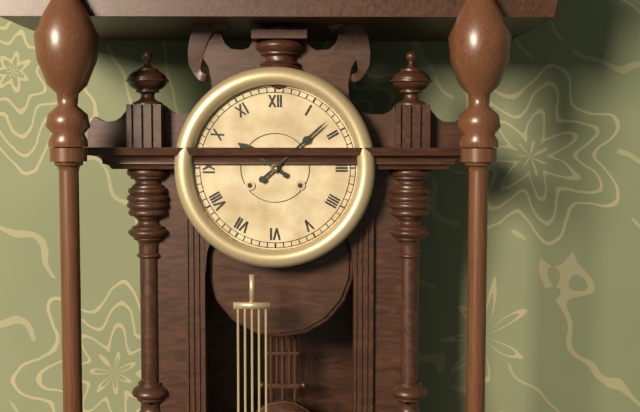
10:08
